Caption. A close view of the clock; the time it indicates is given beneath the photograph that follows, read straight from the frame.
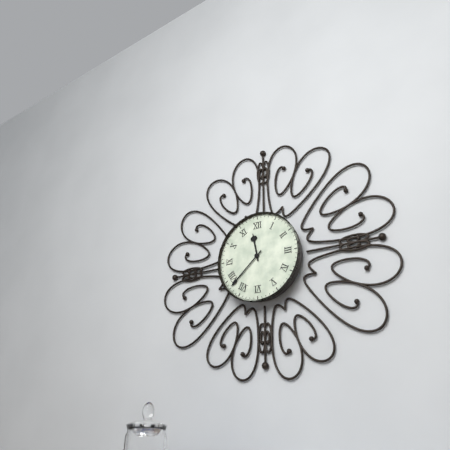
11:38
